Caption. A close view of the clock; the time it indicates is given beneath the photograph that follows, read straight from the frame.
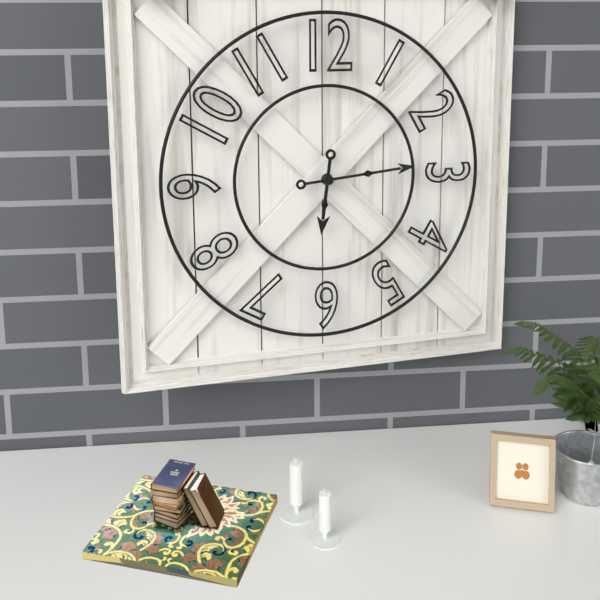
6:14
